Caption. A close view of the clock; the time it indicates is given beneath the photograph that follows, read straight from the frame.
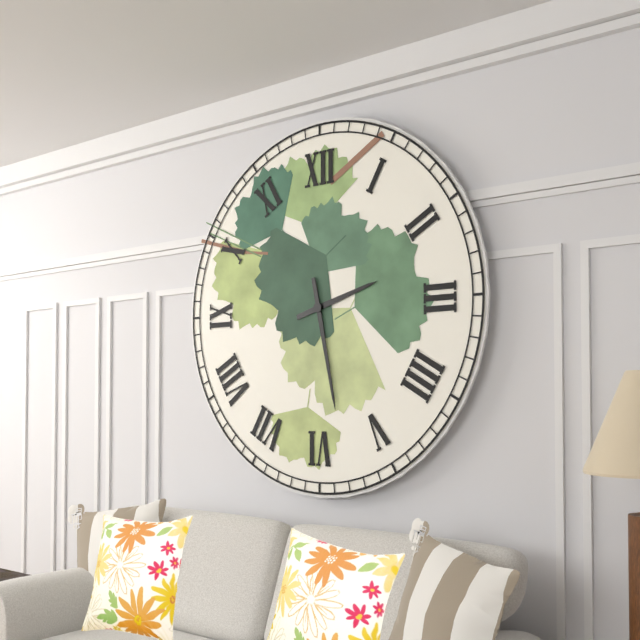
2:28
